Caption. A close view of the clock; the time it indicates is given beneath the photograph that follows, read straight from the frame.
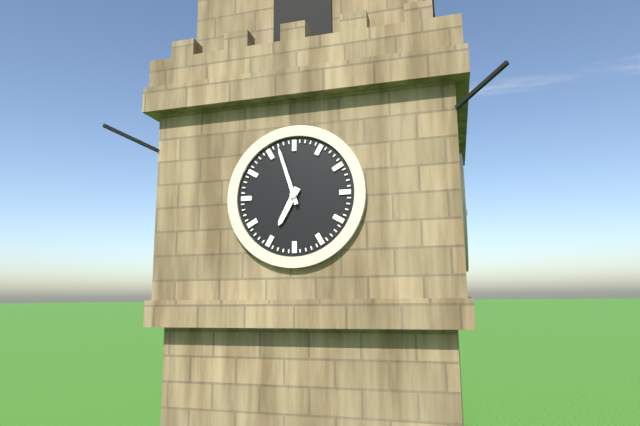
6:57
